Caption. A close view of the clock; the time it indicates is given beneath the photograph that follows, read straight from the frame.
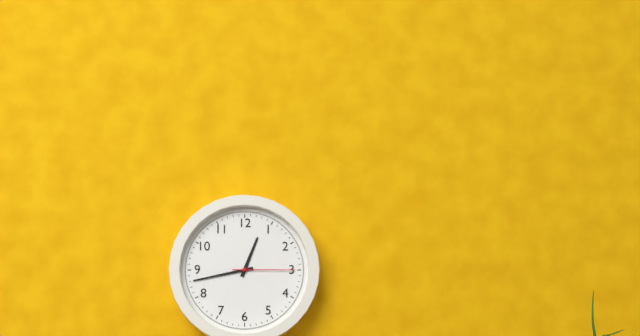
12:43:15
